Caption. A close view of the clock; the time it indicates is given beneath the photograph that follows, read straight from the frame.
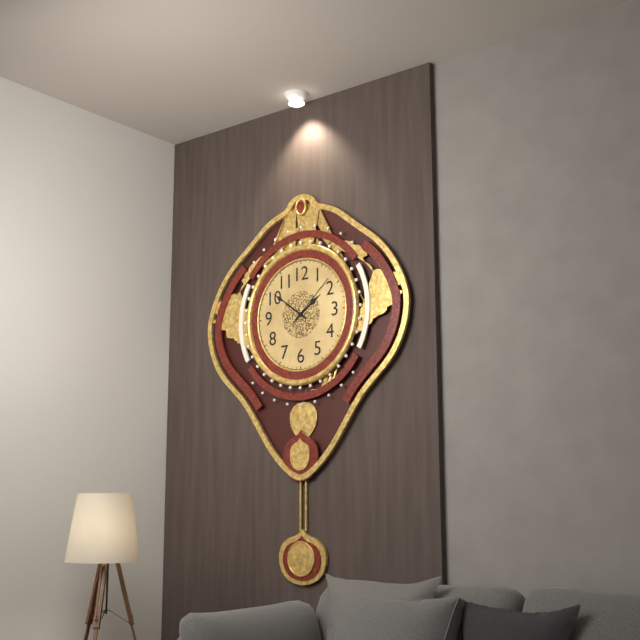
1:51:08
